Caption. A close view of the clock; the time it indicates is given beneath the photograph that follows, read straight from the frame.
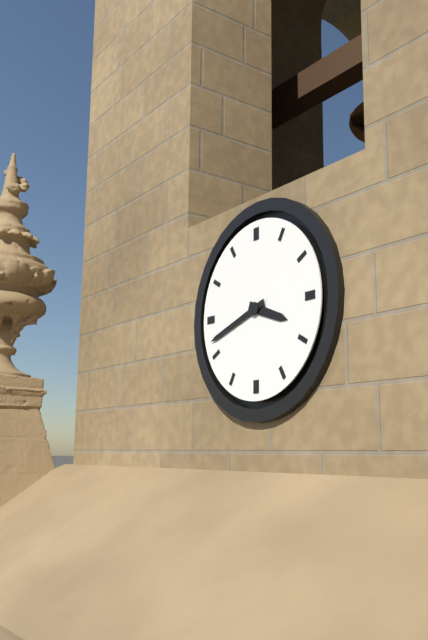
3:42
